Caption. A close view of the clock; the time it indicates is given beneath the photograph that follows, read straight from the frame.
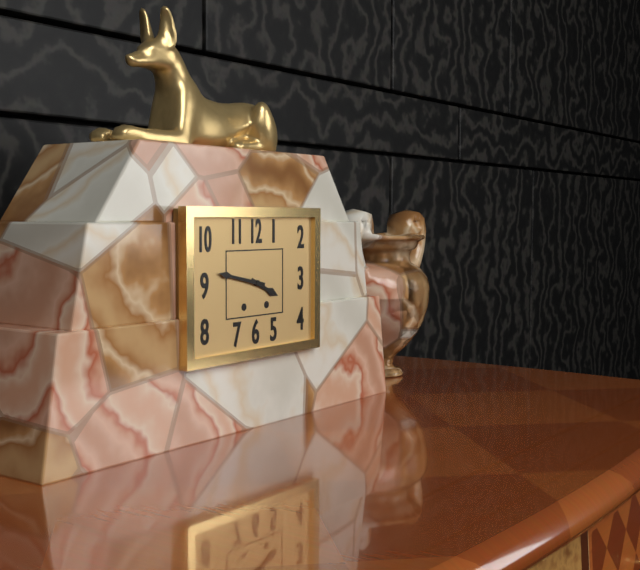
3:47
